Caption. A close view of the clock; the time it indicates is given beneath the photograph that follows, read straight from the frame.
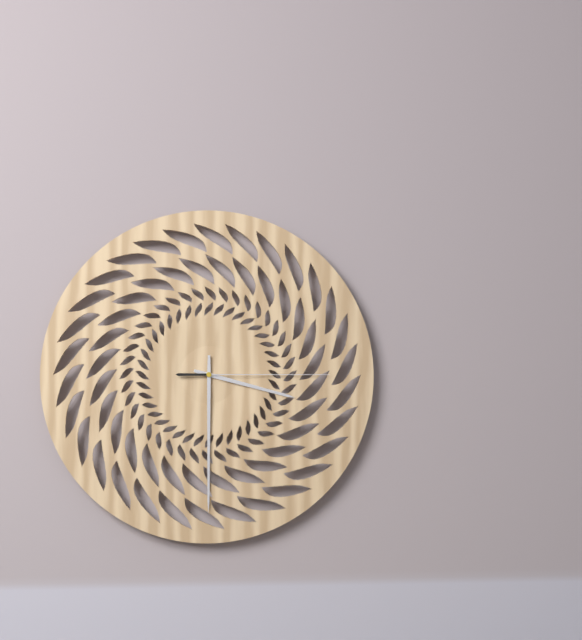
3:30:15
